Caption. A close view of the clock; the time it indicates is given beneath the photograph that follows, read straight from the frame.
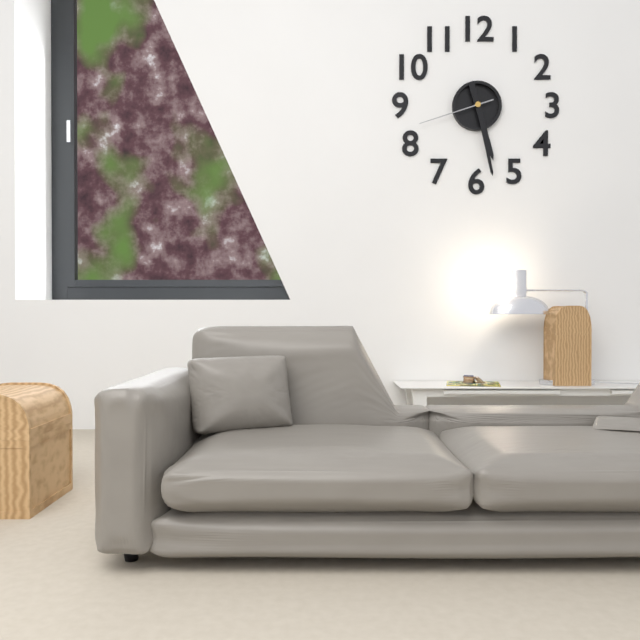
5:28:42
